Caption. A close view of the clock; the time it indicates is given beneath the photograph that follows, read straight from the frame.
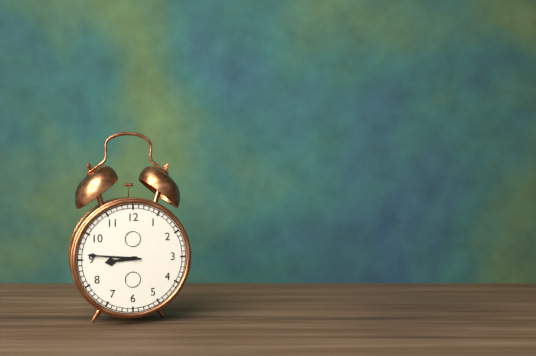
8:46
